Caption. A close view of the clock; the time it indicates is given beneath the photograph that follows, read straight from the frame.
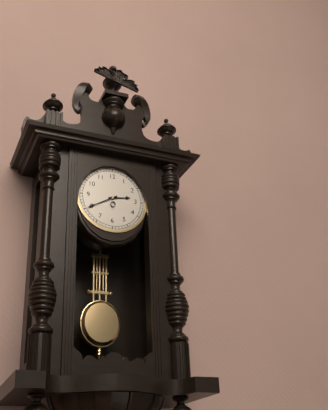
2:40
